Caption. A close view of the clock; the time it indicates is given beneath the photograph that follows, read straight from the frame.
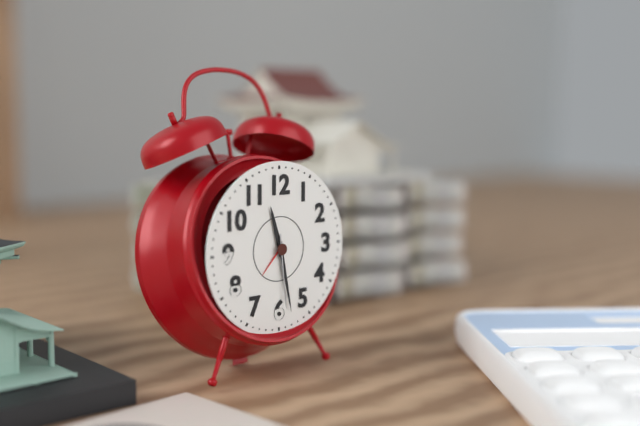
11:28:29
